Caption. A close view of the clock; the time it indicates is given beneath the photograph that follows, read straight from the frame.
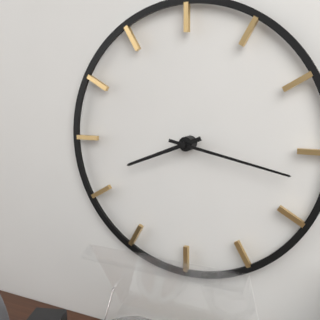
8:17
